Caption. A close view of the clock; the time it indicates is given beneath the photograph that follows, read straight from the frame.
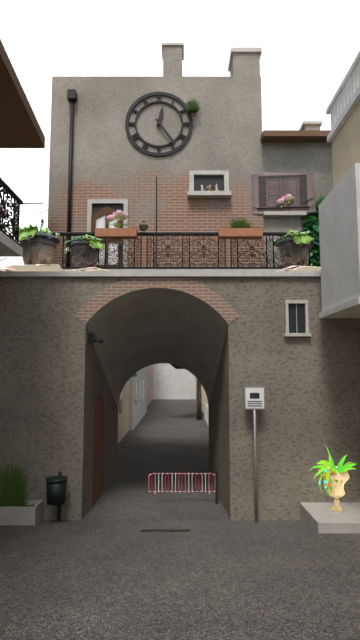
12:24
